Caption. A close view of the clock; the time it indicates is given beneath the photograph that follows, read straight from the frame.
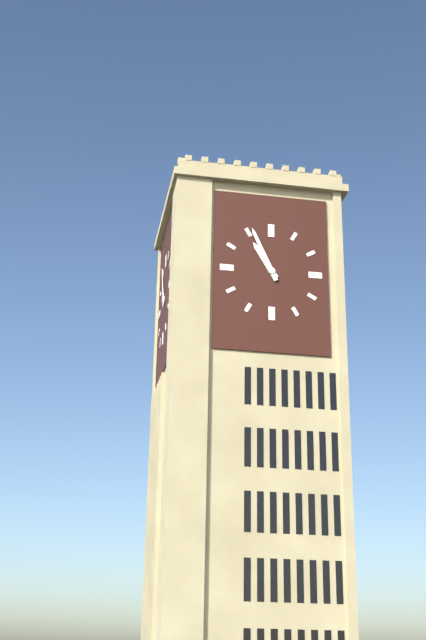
10:56
